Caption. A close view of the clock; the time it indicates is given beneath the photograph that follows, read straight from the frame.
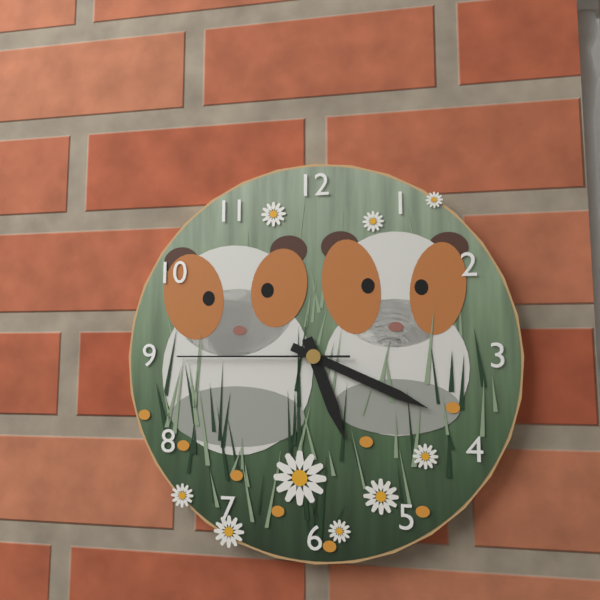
5:19:45
